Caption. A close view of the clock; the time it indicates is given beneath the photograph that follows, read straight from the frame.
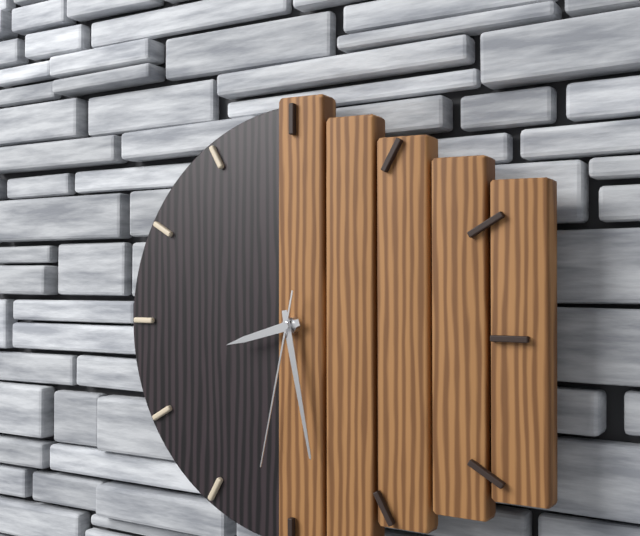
8:28:32
